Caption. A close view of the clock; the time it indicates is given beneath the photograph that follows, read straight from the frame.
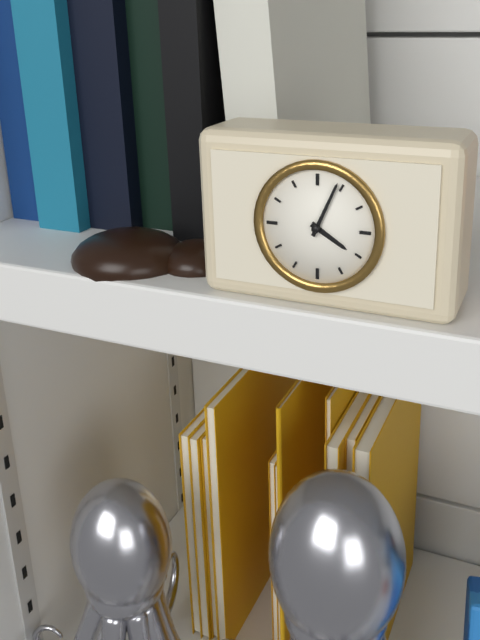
4:04
